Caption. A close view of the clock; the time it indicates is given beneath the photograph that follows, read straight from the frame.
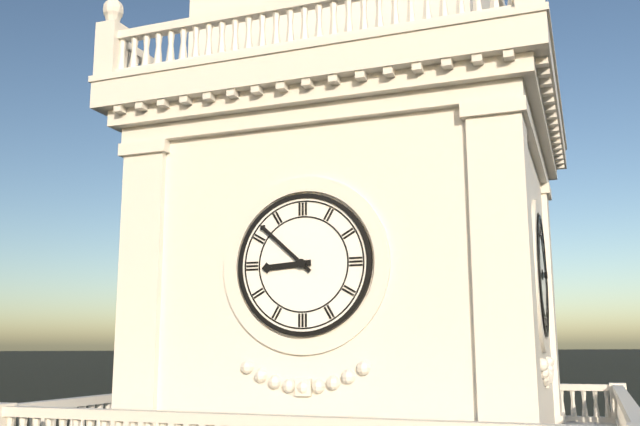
8:52
